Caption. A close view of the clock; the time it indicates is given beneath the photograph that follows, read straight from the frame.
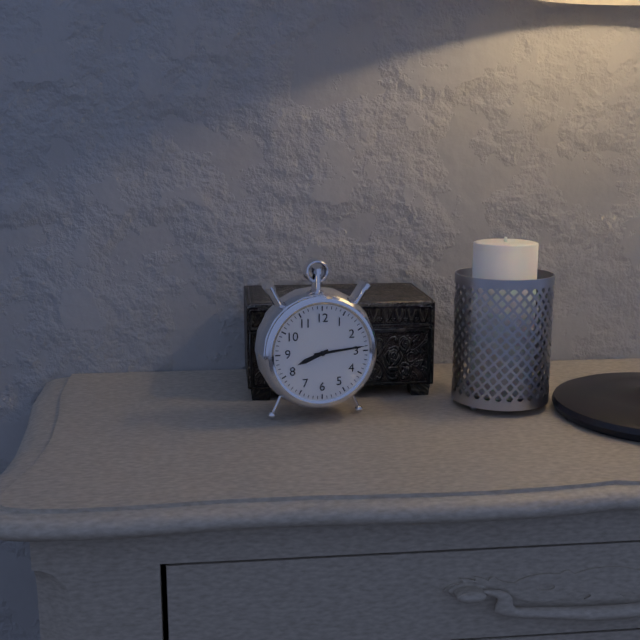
8:14
